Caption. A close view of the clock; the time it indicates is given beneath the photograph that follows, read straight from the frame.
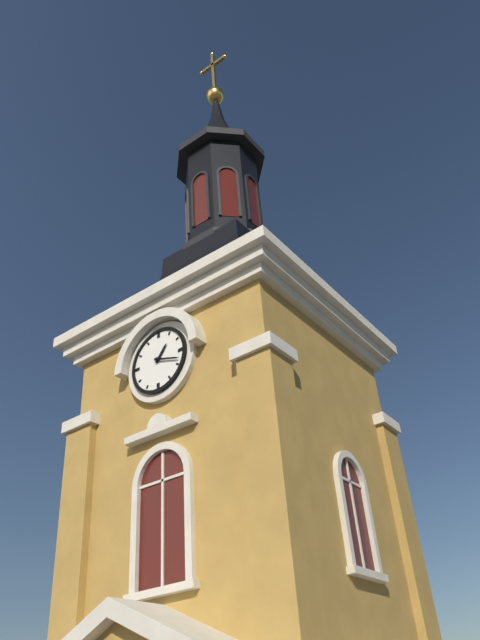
1:18
